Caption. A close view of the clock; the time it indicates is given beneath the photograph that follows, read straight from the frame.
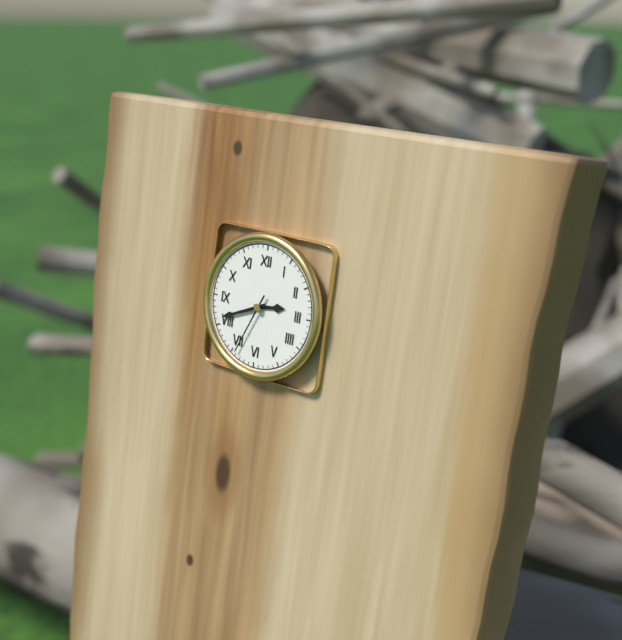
2:41:34
